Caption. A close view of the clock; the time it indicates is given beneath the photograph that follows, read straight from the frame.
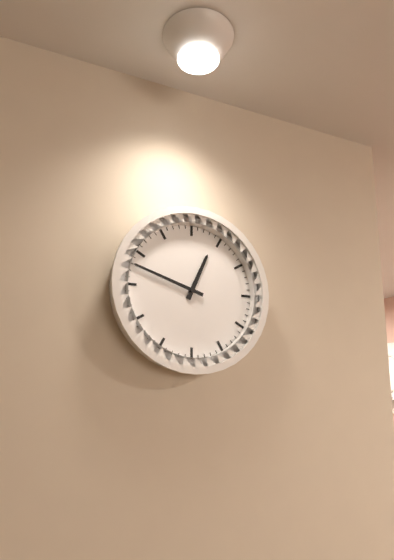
12:48
